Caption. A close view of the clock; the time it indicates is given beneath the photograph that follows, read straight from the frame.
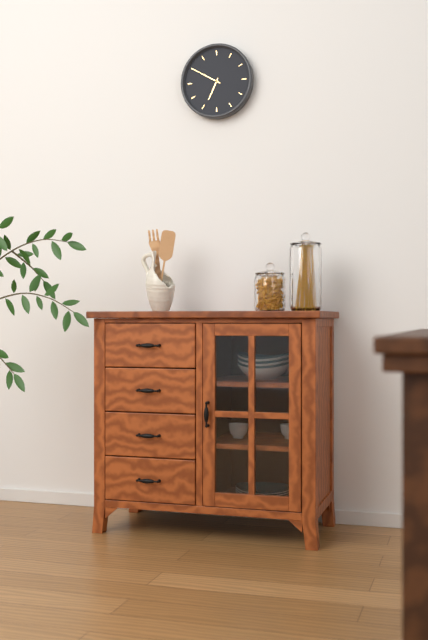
6:50
